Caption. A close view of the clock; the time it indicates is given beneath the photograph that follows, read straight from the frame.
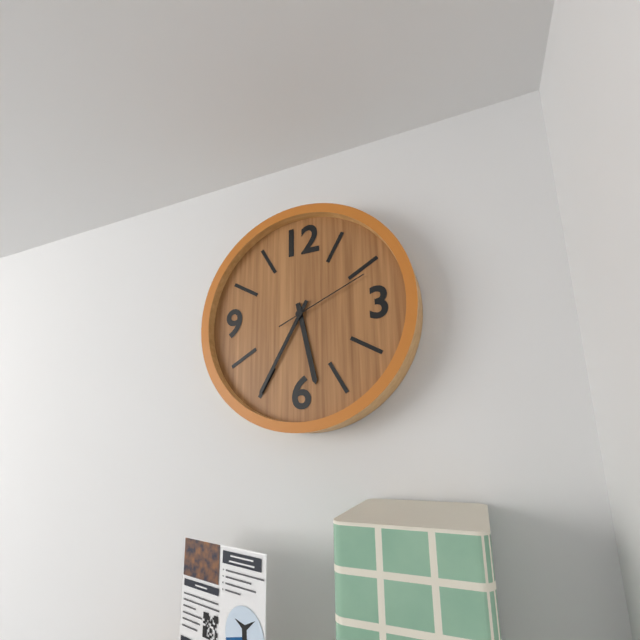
5:35:11
